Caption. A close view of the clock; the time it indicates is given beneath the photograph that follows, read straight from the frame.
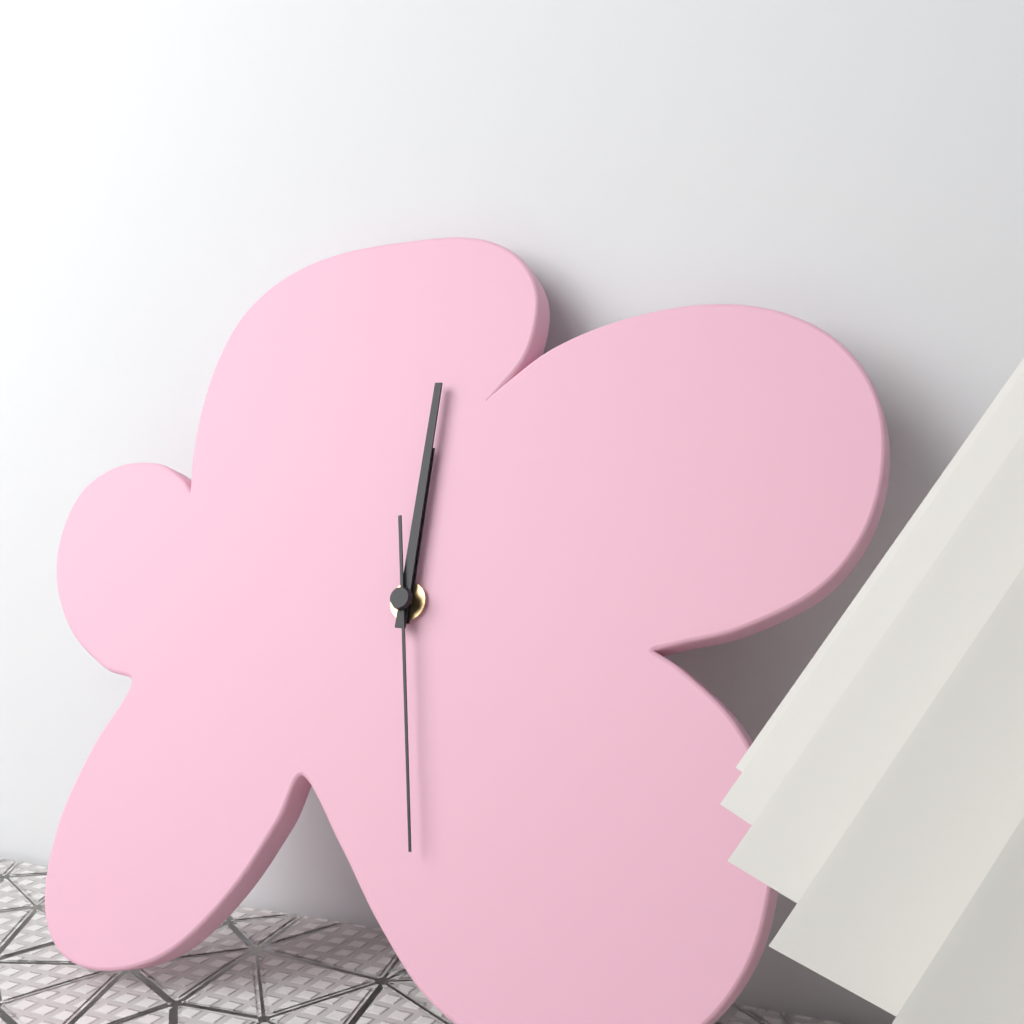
12:00:28
